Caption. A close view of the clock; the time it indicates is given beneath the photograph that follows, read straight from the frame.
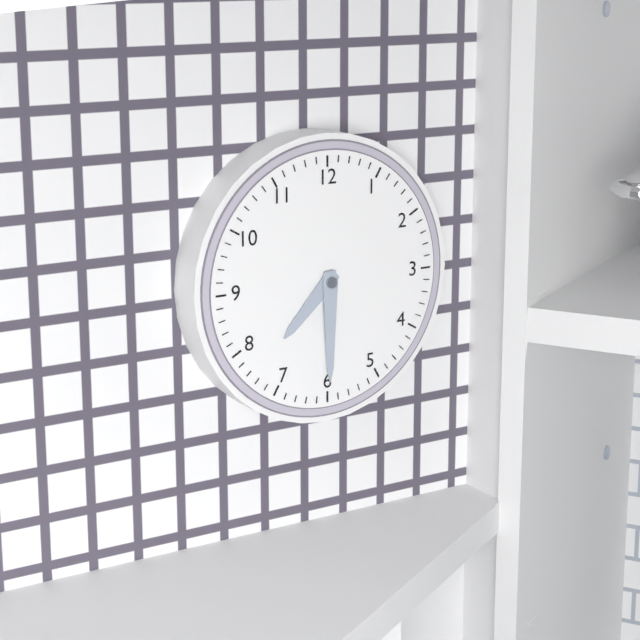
7:30
